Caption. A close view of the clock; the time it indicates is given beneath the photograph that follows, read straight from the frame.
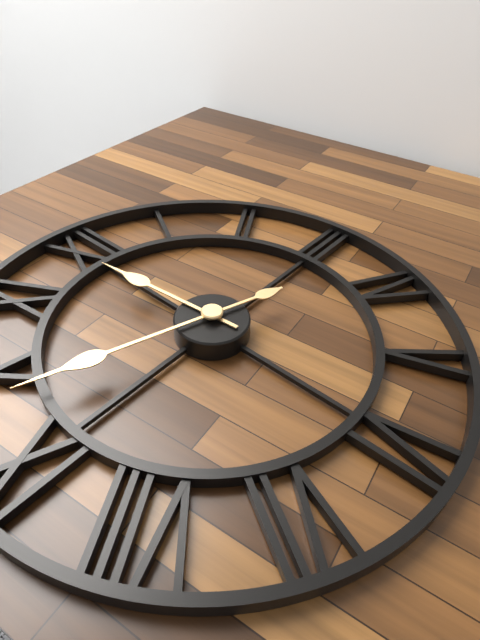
11:48
